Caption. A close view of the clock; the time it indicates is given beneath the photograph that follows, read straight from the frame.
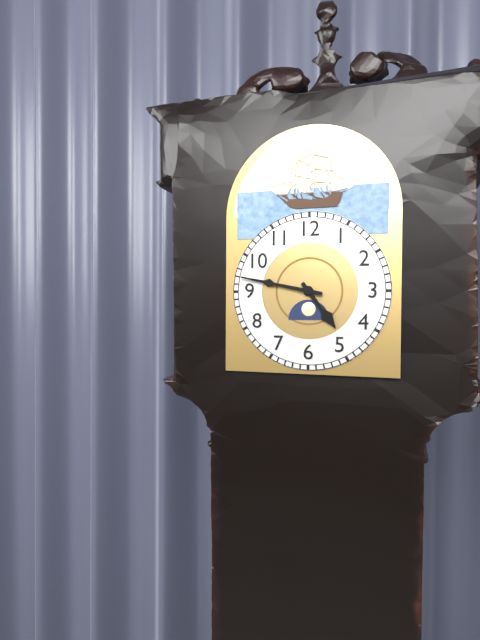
4:47
